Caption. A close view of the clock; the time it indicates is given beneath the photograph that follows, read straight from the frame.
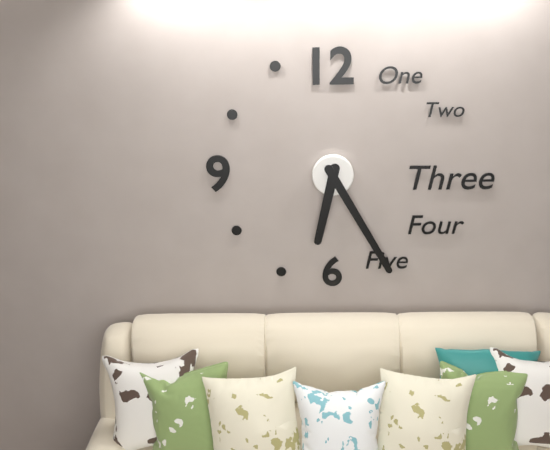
6:25
